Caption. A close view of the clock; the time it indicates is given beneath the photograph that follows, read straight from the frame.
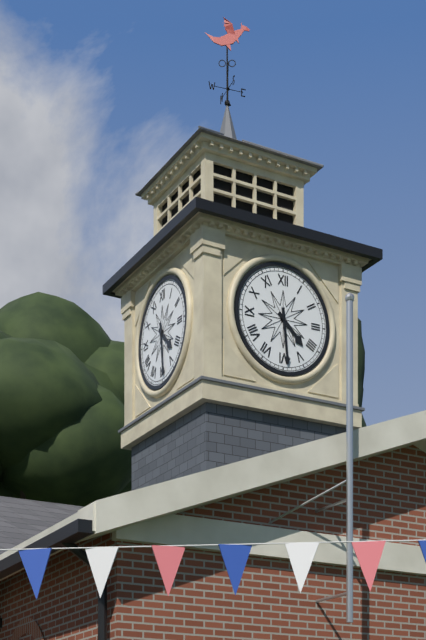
4:29
